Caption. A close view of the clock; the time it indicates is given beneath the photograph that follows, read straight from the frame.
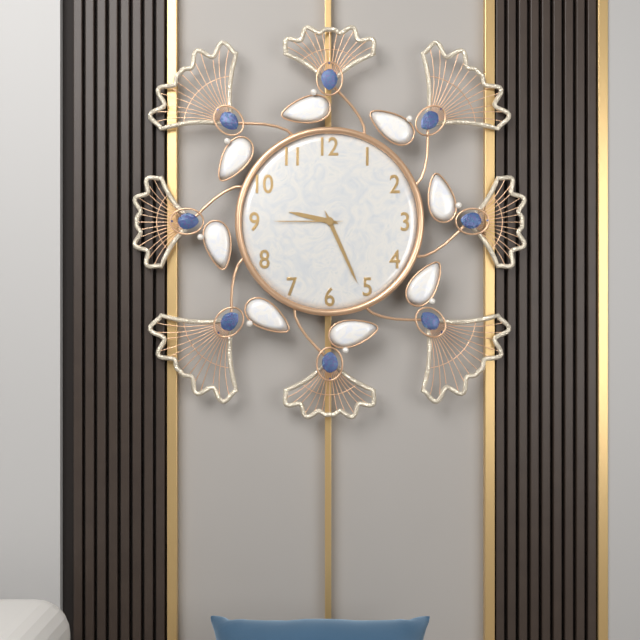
9:26:45
